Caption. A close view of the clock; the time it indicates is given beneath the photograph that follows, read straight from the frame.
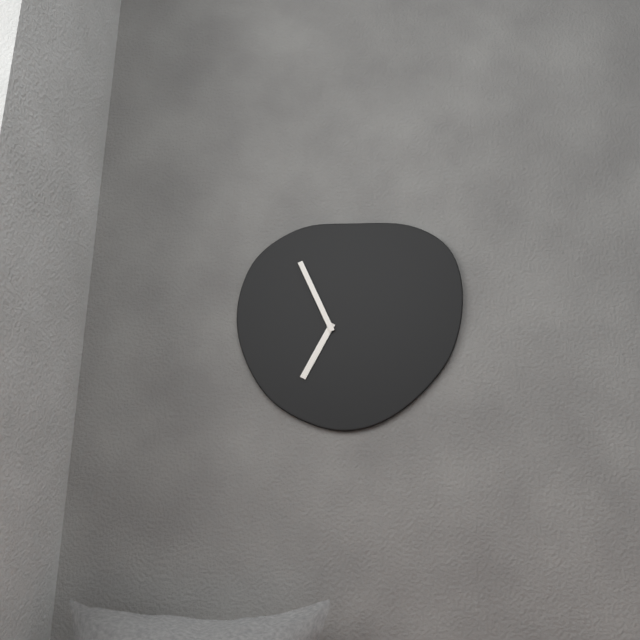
6:56
